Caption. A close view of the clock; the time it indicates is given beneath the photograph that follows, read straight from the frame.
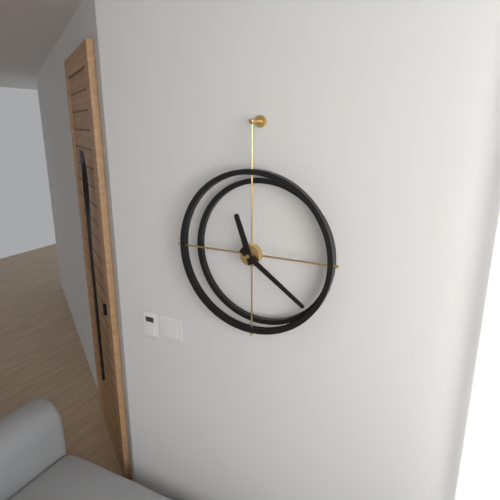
11:21
